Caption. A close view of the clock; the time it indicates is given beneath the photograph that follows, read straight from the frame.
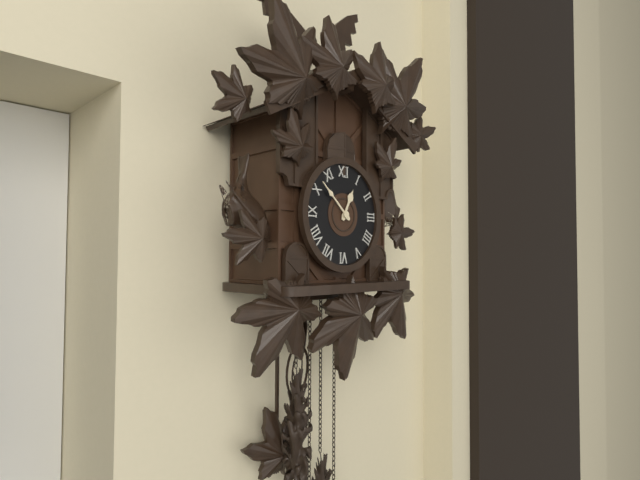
12:52
